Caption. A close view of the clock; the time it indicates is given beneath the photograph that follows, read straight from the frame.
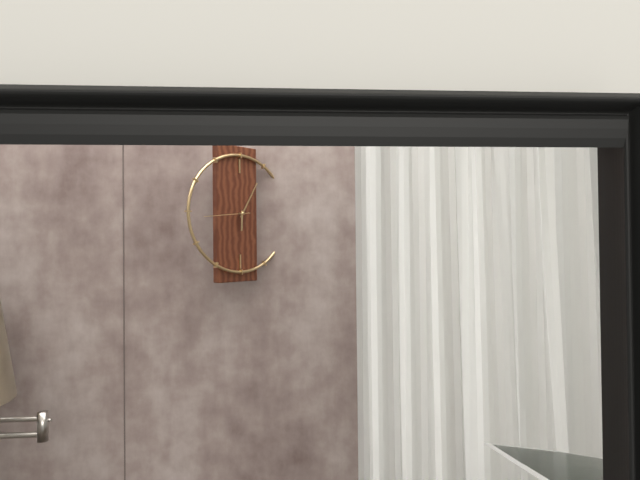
6:05
